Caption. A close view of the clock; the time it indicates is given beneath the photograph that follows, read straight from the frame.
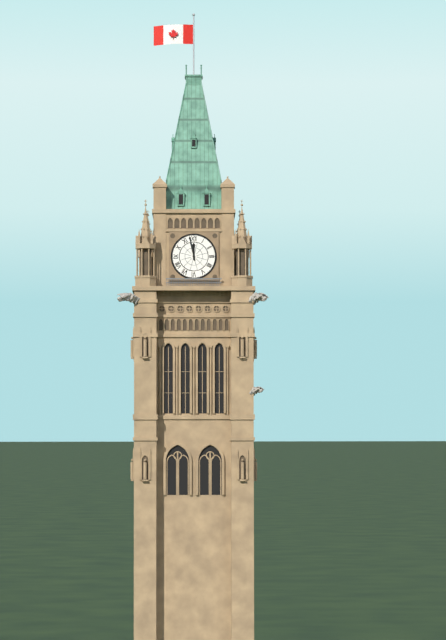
11:58
